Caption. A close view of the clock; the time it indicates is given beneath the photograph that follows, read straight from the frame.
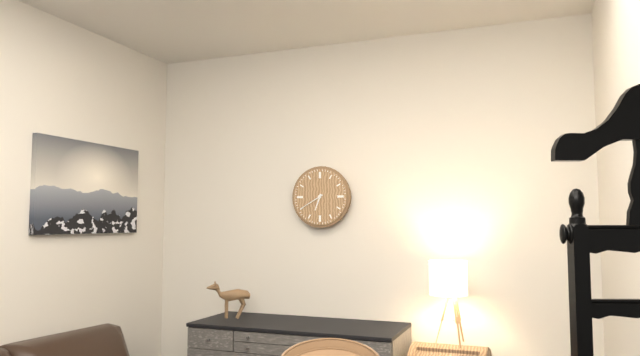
6:40
